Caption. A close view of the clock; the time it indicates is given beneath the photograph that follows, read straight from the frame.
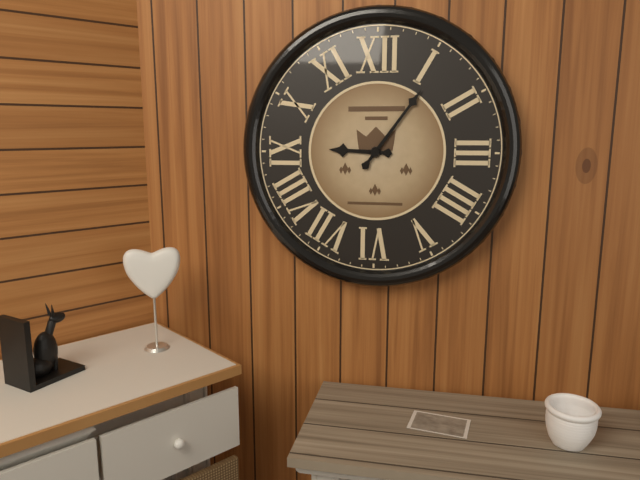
9:06
